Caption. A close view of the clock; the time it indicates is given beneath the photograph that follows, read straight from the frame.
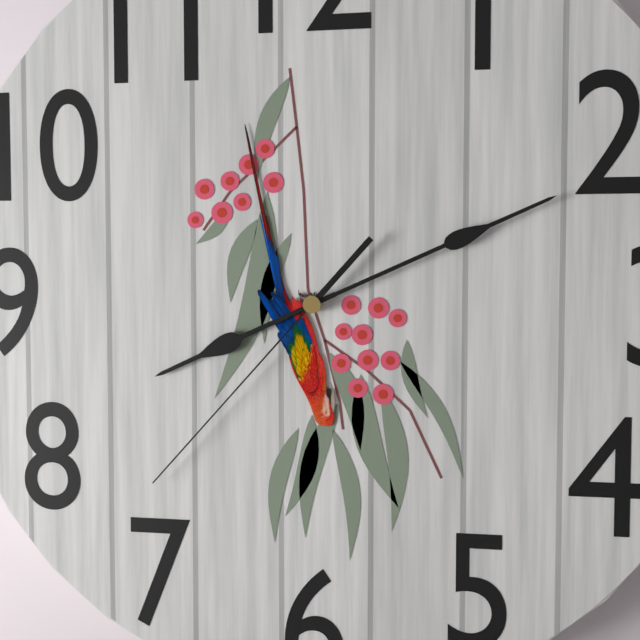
8:11:37
